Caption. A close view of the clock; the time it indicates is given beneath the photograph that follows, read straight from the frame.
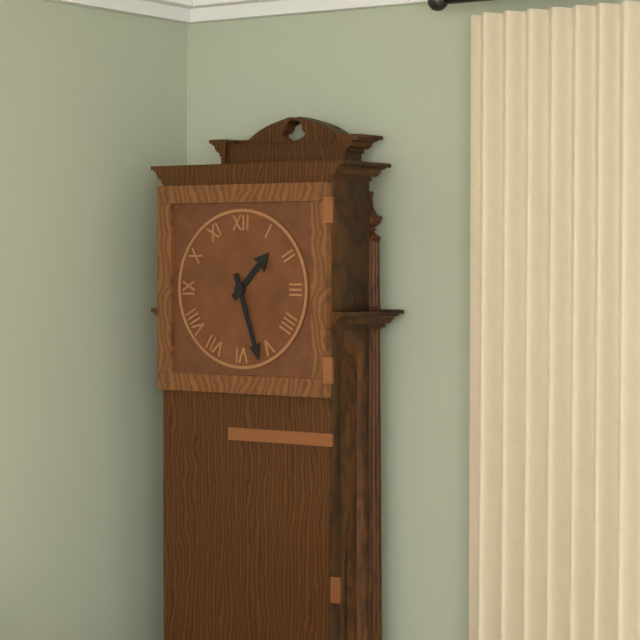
1:27
